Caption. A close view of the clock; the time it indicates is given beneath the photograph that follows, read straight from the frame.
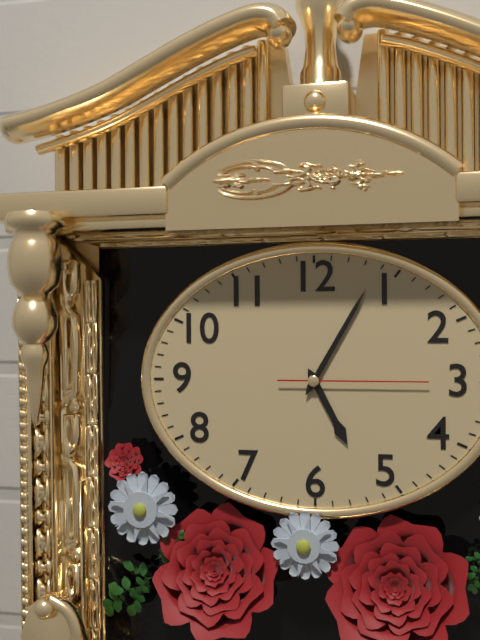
5:05:15
